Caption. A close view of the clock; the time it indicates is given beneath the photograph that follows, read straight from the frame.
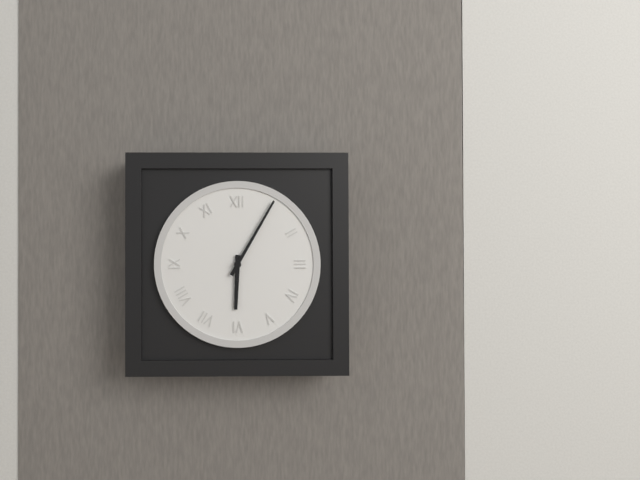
6:05
